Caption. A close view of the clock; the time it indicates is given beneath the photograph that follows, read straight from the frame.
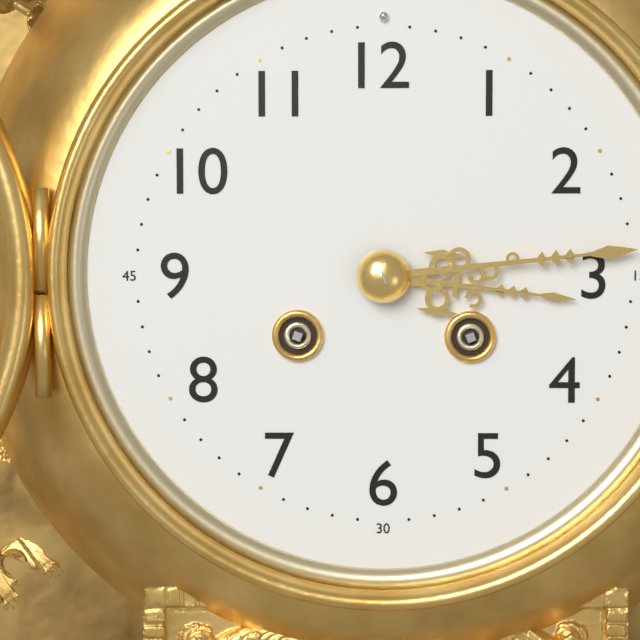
3:14
